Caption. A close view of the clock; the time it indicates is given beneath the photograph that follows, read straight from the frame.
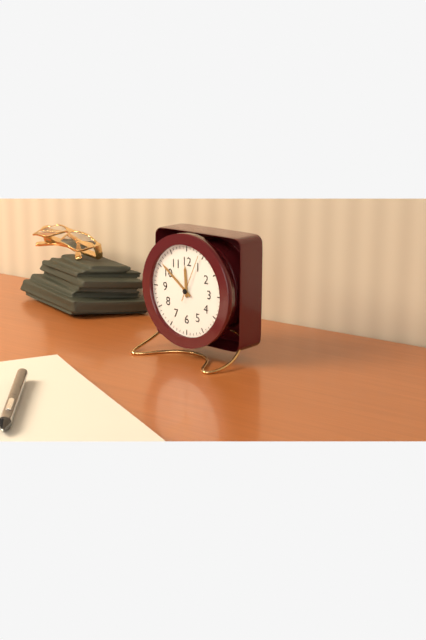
11:51
